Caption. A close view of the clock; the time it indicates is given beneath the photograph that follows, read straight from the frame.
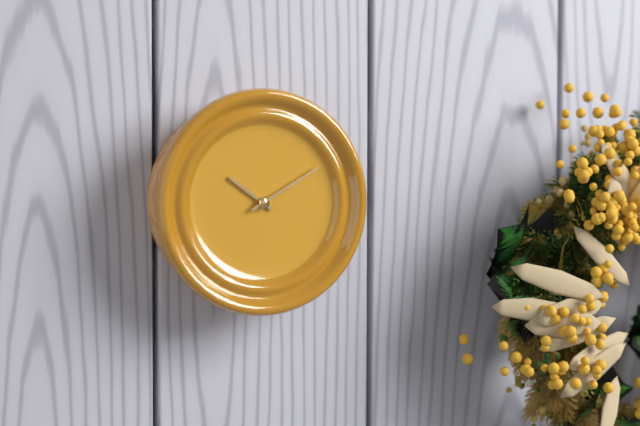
10:10
